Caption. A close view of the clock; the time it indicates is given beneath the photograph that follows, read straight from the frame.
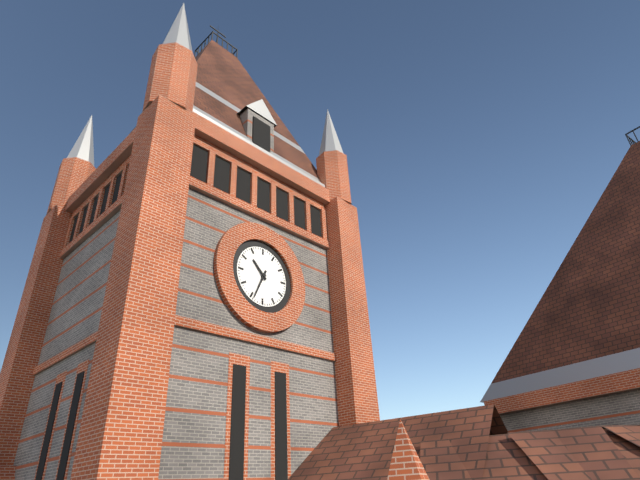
10:34
